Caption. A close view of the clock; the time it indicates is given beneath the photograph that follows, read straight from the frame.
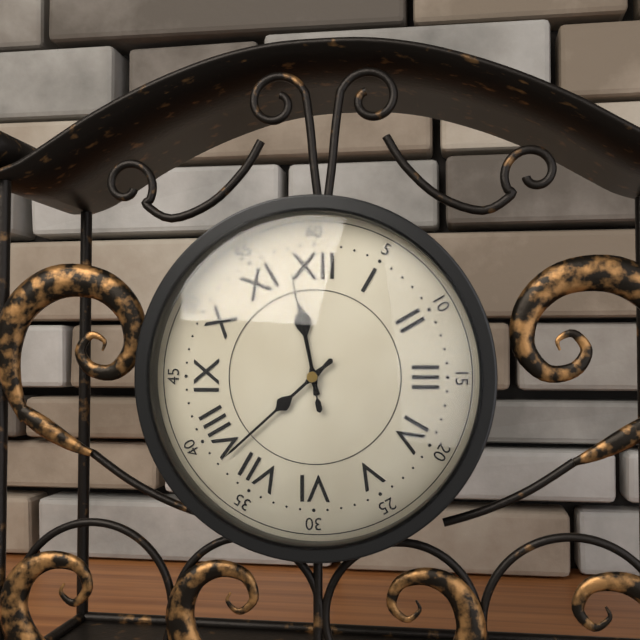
11:38:58
